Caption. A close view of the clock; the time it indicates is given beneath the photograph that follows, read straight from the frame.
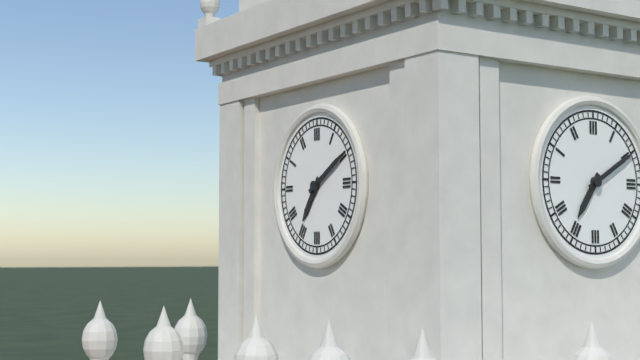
7:10
